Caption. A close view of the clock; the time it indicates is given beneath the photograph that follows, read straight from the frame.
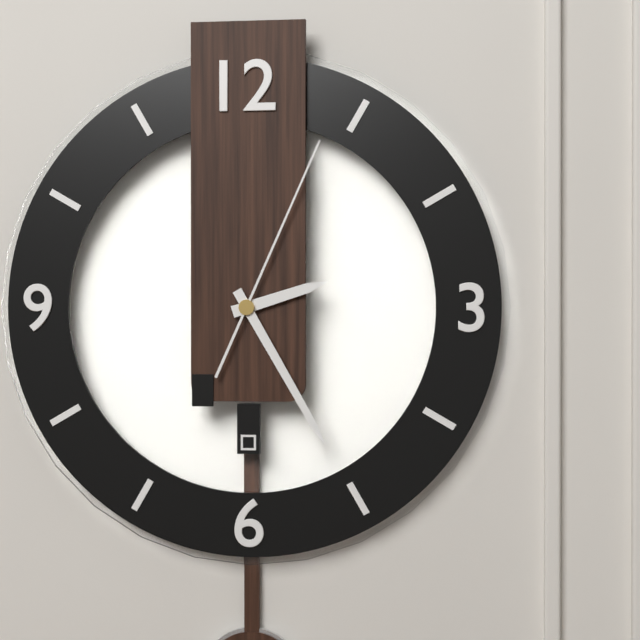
2:25:04
